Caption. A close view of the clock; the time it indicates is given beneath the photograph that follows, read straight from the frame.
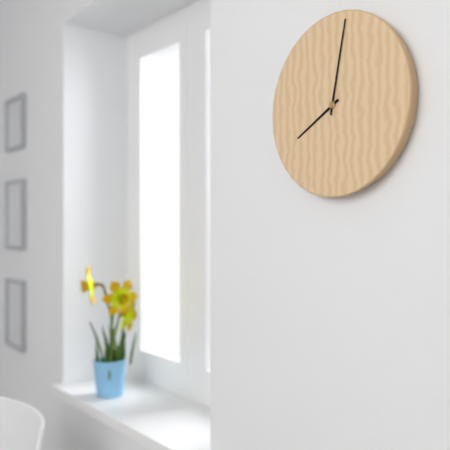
8:02
